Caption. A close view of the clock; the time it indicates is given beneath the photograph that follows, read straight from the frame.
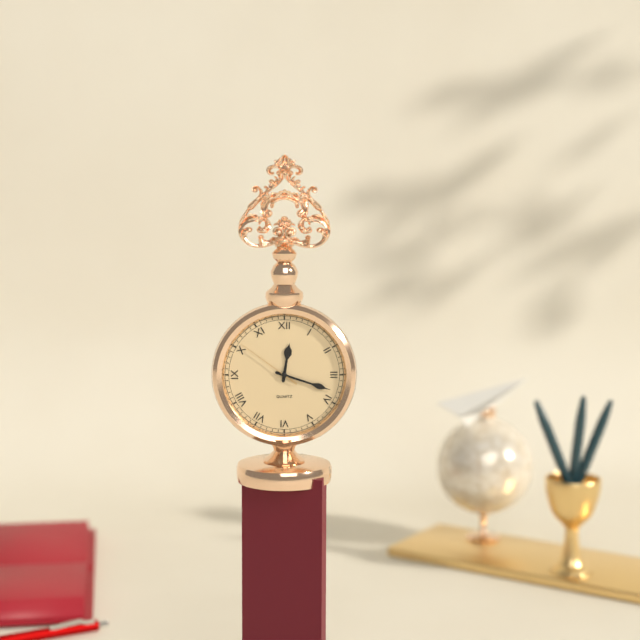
12:18:51
